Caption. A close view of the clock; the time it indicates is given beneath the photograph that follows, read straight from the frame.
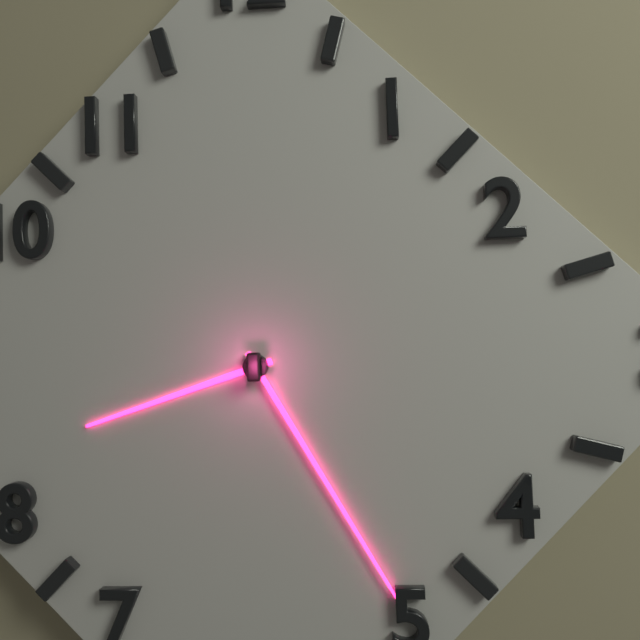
8:25
